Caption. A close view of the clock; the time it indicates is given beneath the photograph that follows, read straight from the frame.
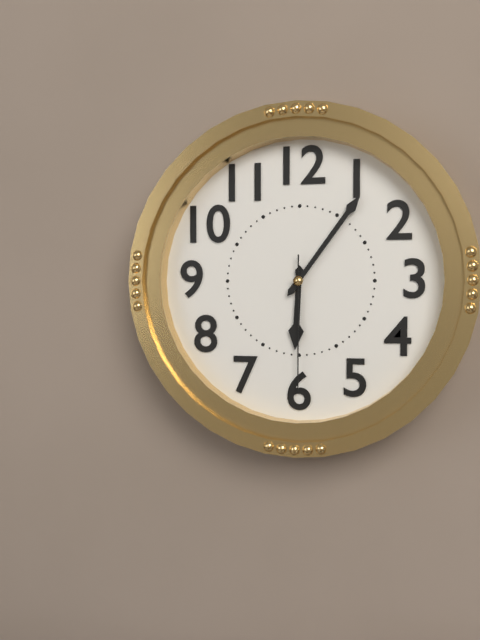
6:06:30
